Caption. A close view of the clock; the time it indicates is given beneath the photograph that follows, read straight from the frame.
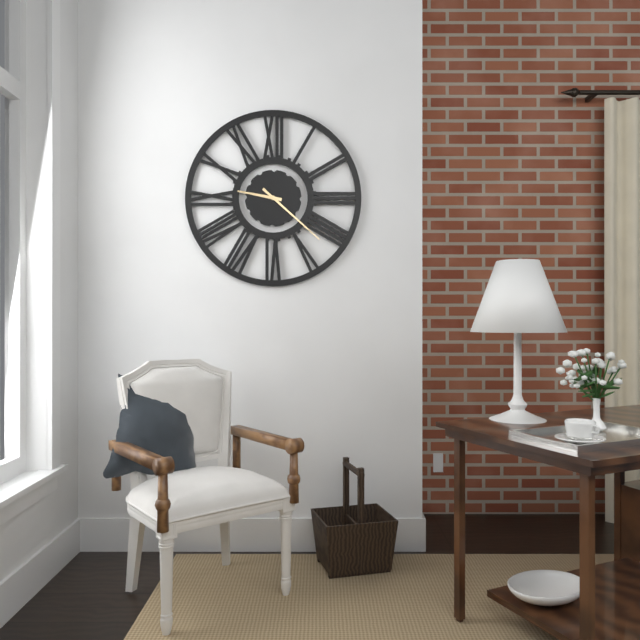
9:22
